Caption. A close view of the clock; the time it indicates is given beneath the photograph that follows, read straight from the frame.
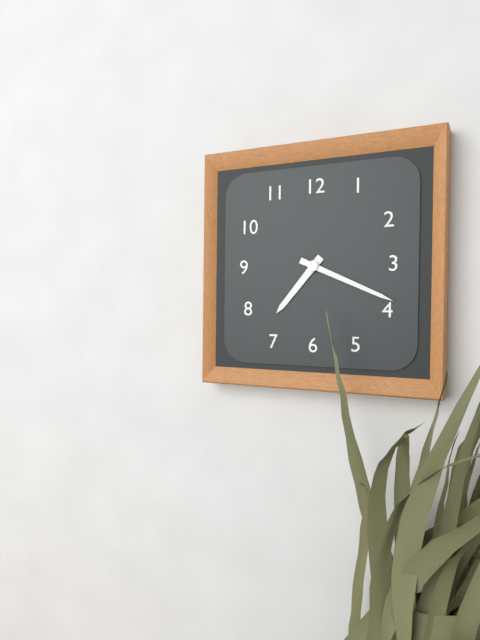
7:19
